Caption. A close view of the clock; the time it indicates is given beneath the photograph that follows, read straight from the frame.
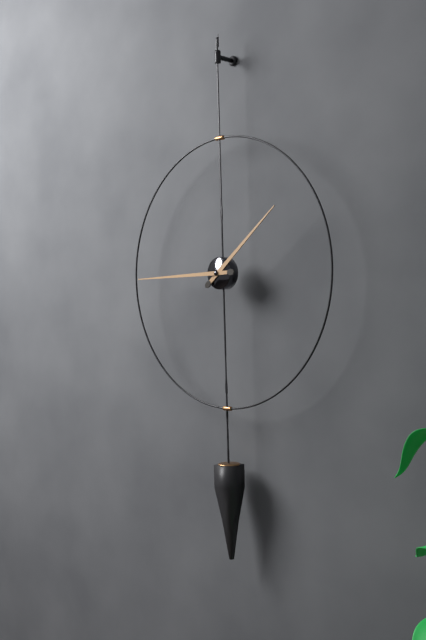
1:45
